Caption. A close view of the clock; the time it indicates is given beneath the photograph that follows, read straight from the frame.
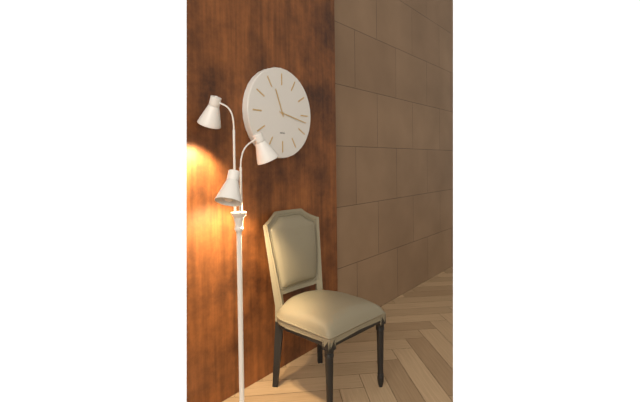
11:17
